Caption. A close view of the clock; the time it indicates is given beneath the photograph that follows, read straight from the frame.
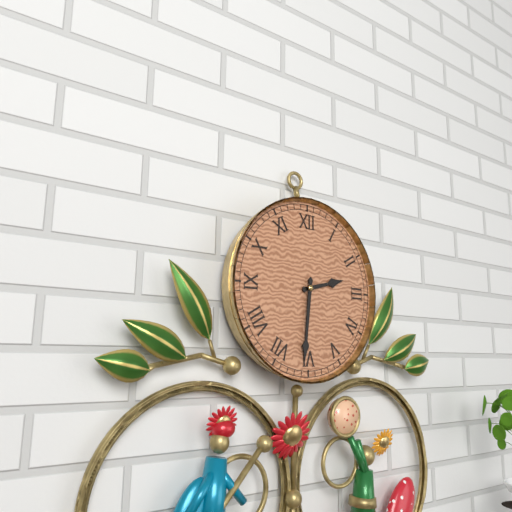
2:31
